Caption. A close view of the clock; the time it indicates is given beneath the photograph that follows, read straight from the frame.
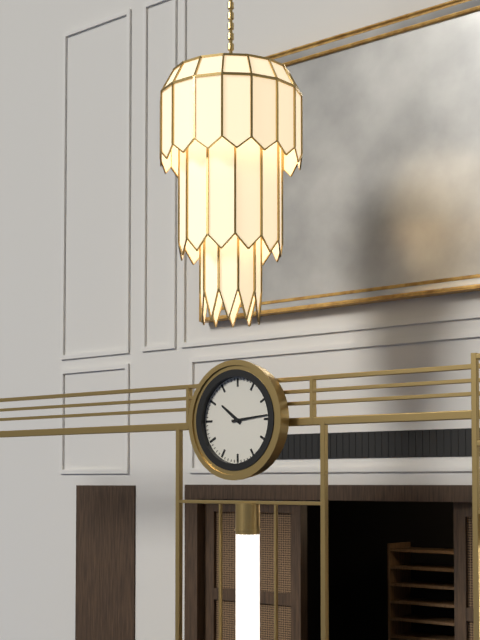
10:14
